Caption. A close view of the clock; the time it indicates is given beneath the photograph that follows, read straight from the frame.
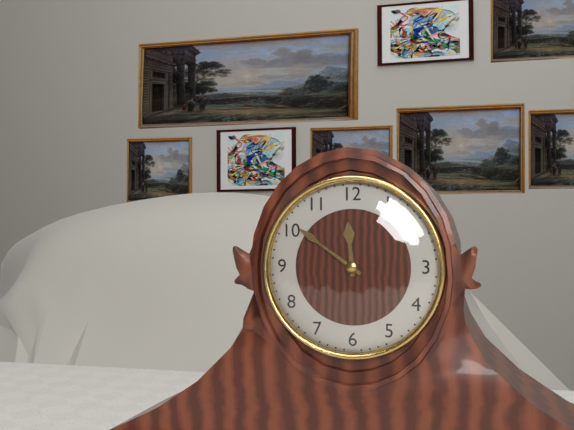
11:51
